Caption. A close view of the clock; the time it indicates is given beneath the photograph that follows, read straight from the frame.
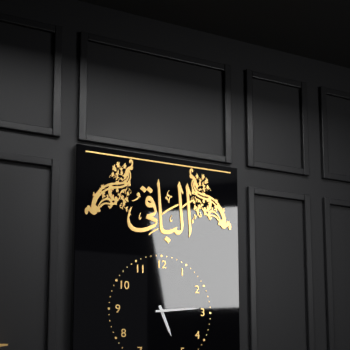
5:14
